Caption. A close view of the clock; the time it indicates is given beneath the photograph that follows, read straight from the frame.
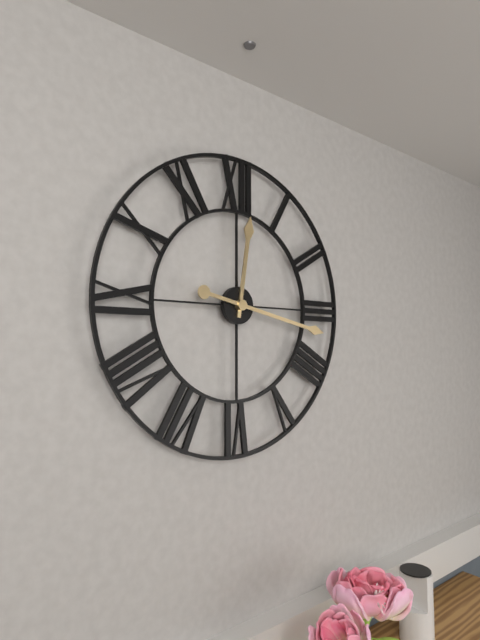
12:17
